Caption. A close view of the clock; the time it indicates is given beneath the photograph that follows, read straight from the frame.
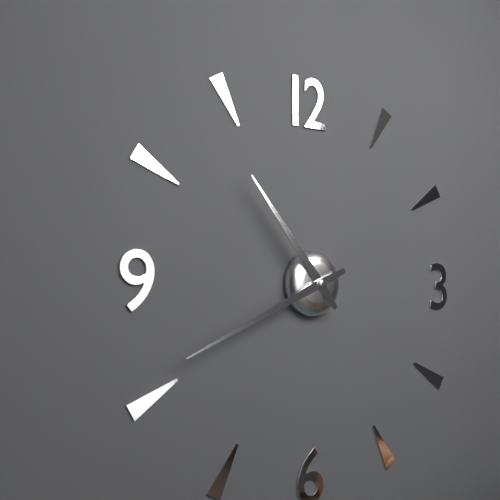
10:41
